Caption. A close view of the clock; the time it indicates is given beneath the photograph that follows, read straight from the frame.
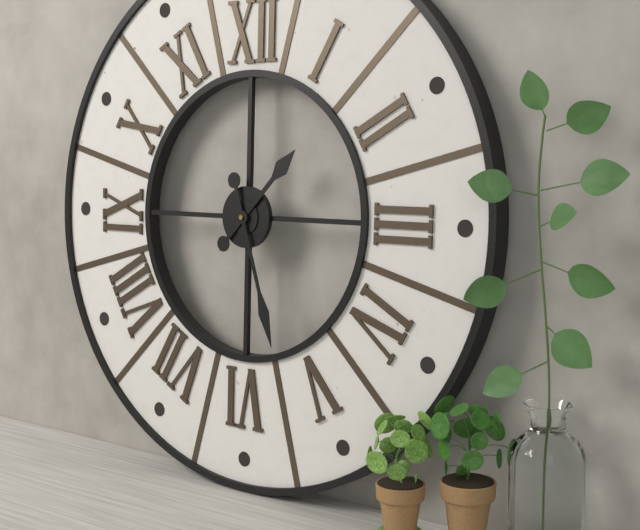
1:27
